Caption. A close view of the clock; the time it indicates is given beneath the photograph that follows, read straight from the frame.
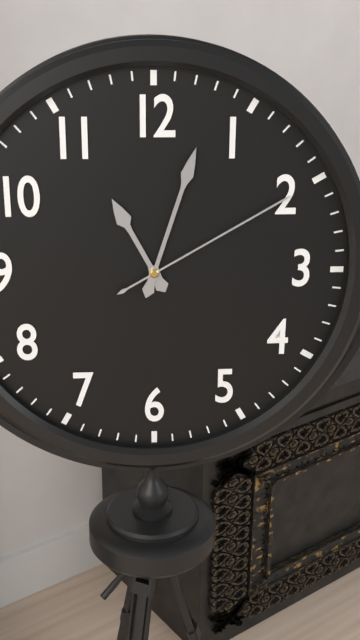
11:03:10
